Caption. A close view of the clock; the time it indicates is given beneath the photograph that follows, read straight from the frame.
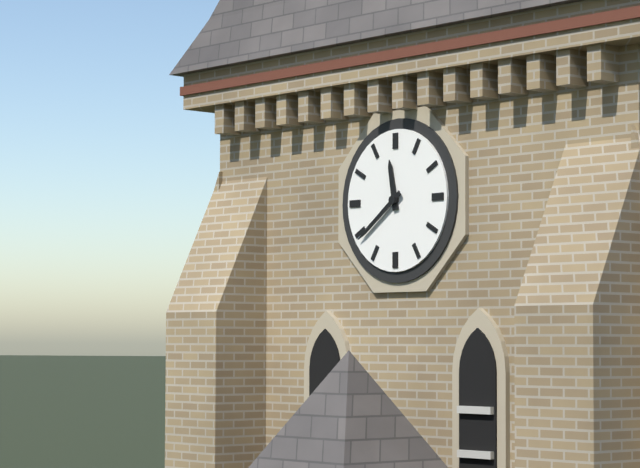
11:39
